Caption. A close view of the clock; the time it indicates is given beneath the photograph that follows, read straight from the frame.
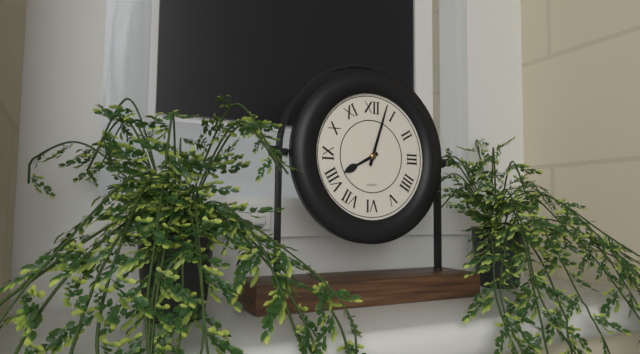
8:03
